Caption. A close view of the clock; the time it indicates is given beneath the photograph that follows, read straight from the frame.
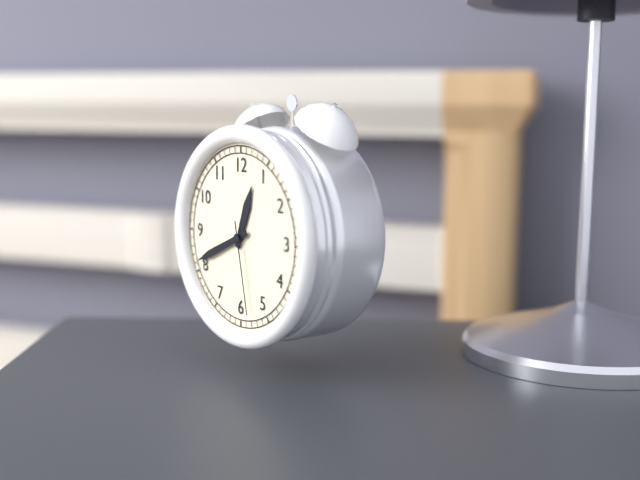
12:41:28
